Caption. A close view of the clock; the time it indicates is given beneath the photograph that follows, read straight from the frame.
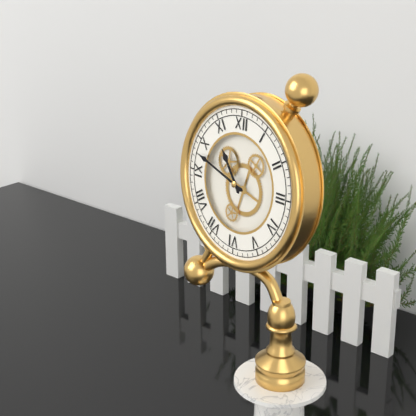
10:48
